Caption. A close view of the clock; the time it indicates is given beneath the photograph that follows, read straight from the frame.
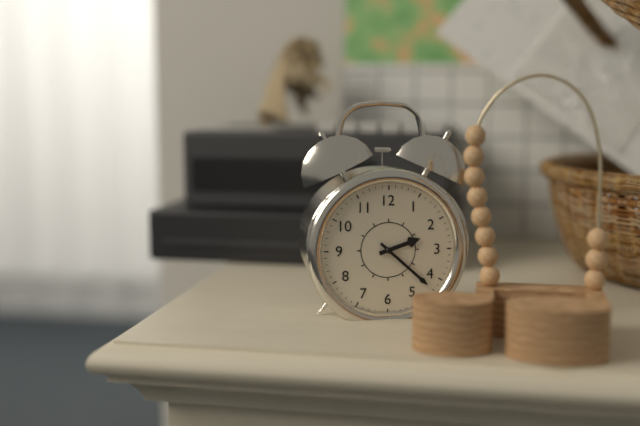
2:22
